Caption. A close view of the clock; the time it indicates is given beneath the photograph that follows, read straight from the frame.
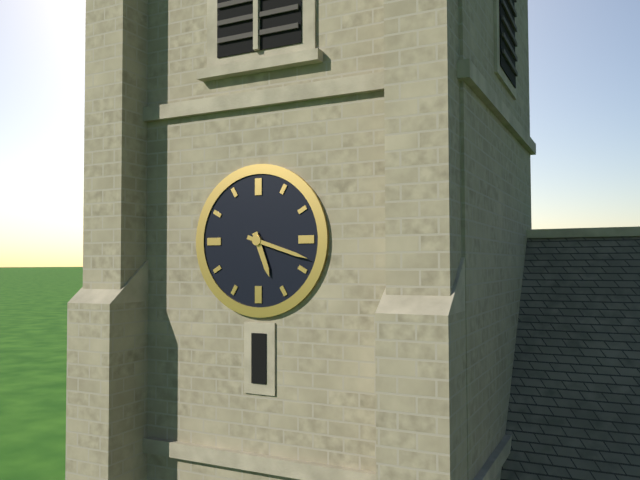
5:18
